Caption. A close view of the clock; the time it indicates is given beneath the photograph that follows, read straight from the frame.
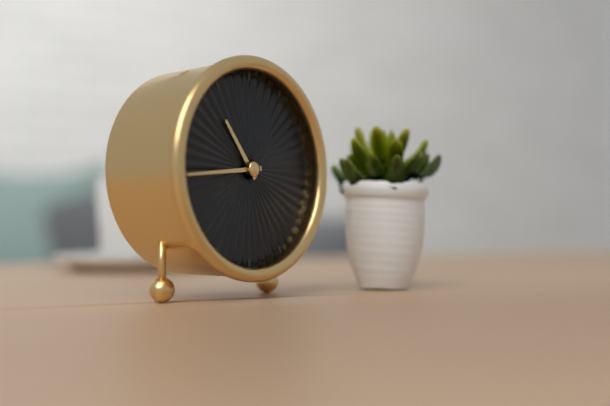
10:44
